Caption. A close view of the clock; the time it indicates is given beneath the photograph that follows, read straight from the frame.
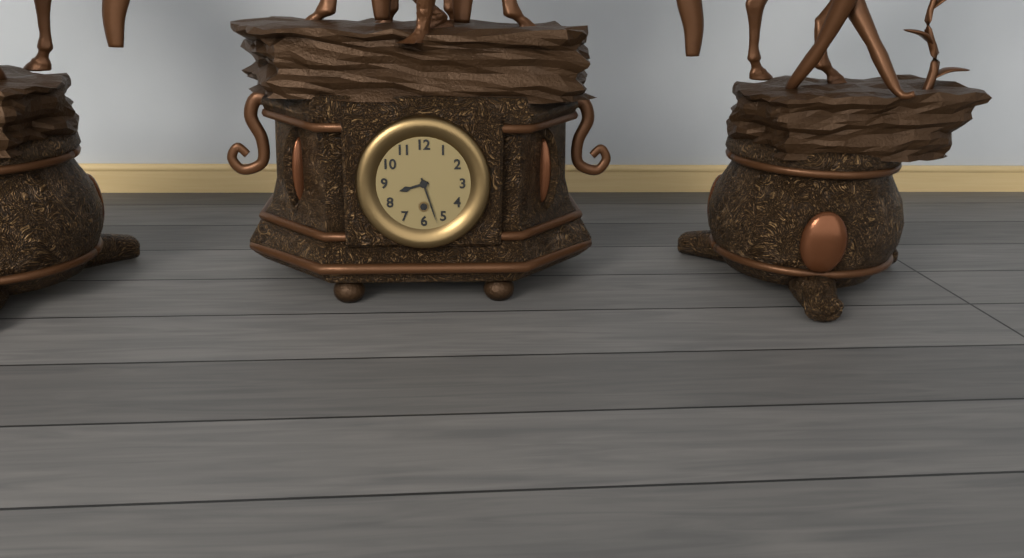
8:27
